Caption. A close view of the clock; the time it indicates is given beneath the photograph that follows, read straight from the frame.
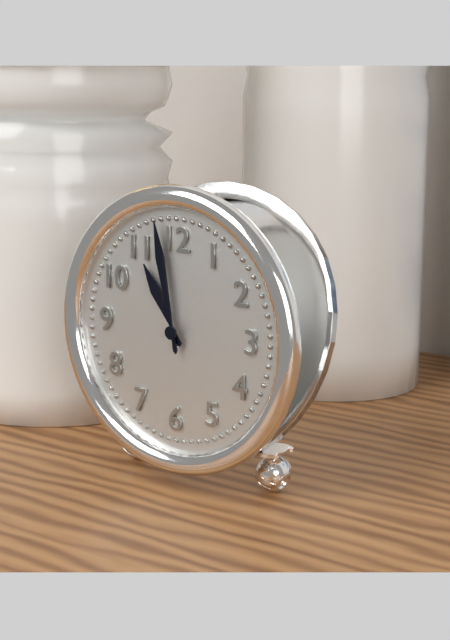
10:58
